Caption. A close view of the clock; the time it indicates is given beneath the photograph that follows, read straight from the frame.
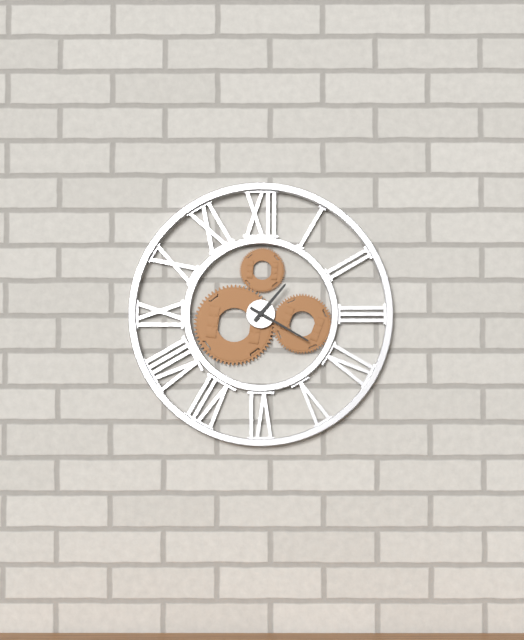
1:20
